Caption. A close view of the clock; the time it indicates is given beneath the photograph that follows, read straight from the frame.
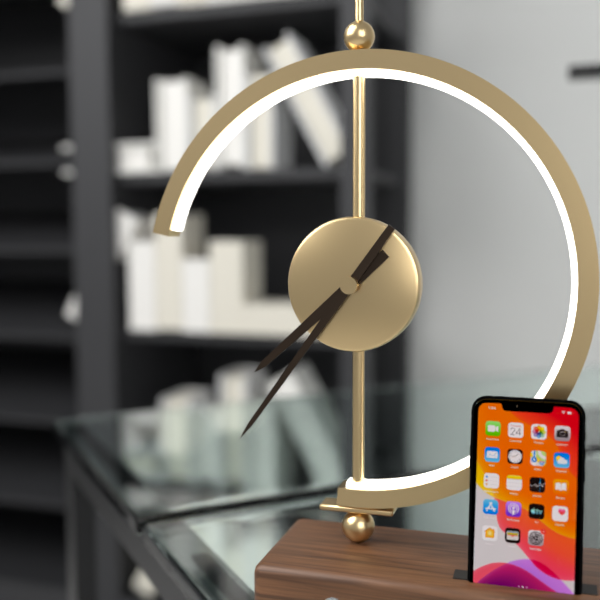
7:36
